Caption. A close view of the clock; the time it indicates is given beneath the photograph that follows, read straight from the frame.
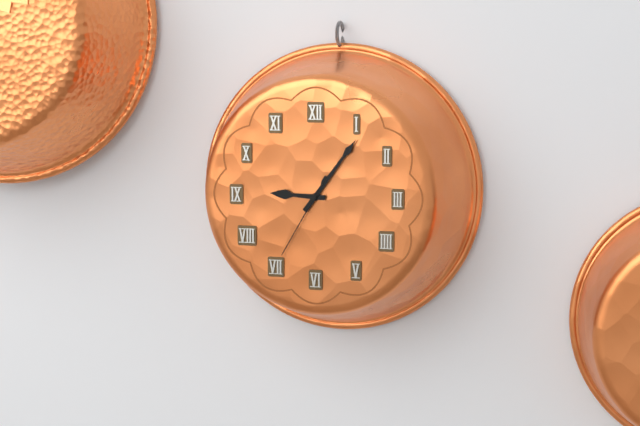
9:06:35
